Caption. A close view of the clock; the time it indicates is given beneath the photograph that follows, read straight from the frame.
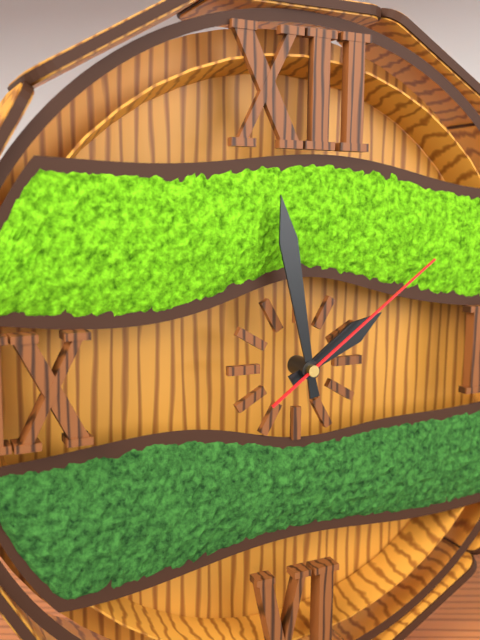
1:58:09
